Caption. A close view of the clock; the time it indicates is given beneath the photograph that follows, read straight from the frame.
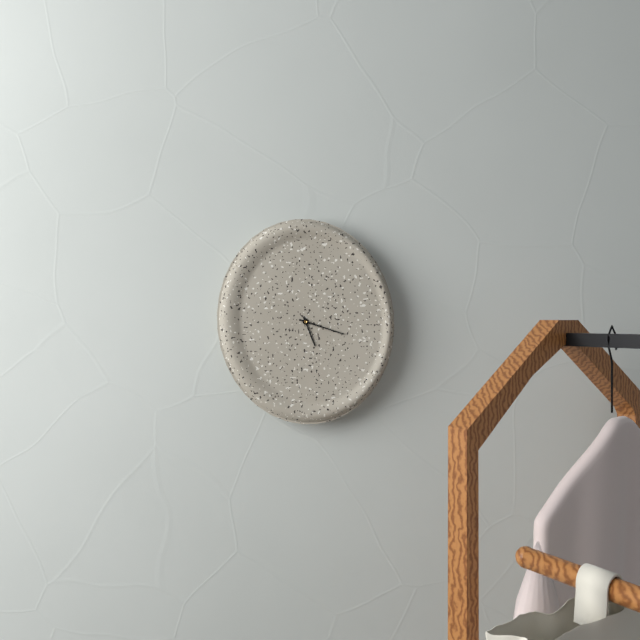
5:18
